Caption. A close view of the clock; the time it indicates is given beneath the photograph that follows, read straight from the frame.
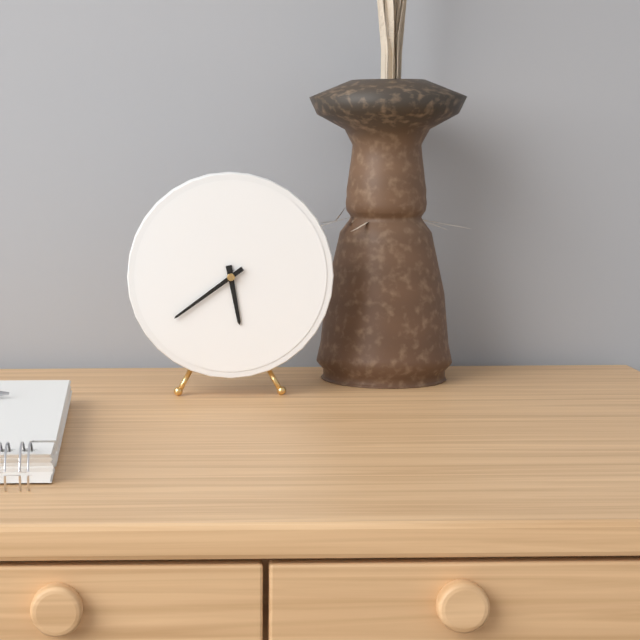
5:39
